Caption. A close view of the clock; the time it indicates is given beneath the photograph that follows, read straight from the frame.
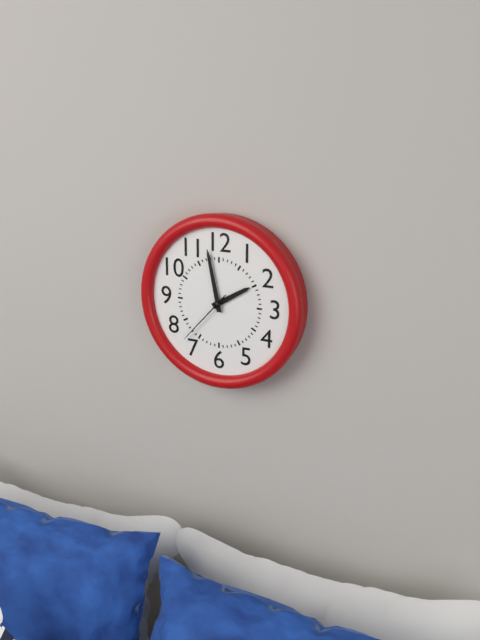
1:58:37
